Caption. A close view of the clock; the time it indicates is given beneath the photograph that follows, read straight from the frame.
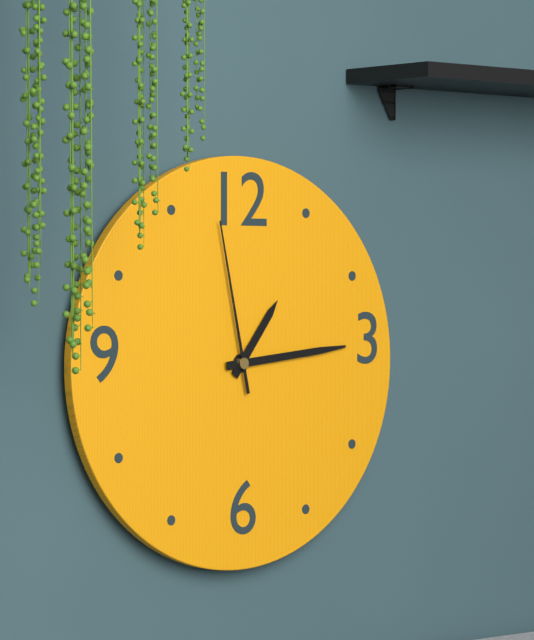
1:14:58
